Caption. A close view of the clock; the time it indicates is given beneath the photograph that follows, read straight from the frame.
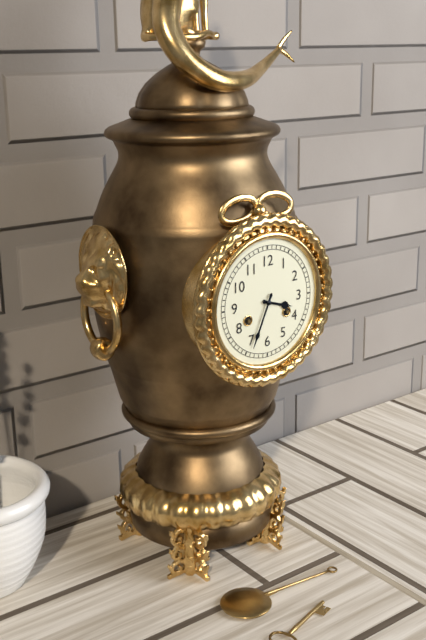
3:34
